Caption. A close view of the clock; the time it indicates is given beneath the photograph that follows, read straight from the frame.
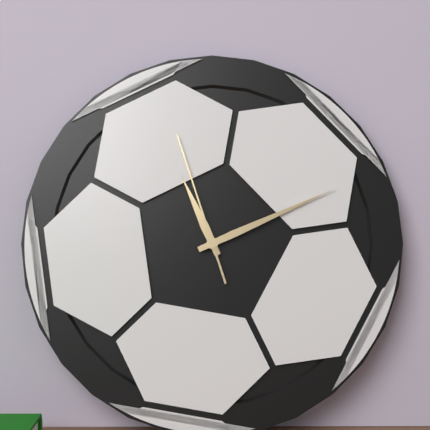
11:11:57
